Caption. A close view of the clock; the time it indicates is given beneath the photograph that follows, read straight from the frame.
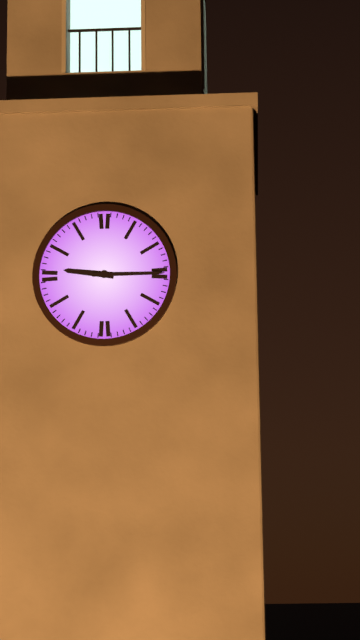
9:15
